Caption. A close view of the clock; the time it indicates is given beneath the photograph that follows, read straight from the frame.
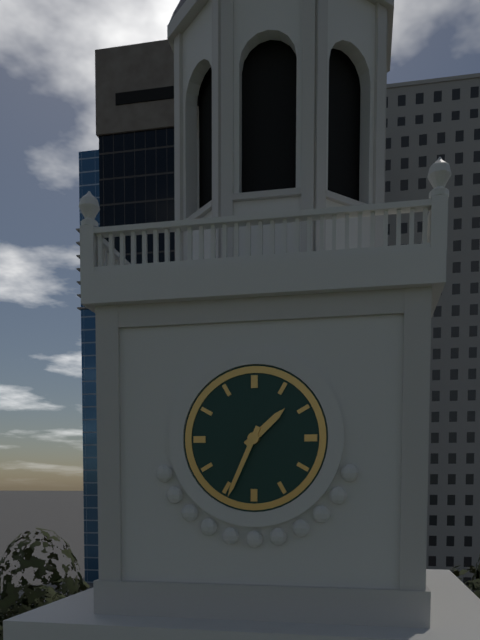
1:34
